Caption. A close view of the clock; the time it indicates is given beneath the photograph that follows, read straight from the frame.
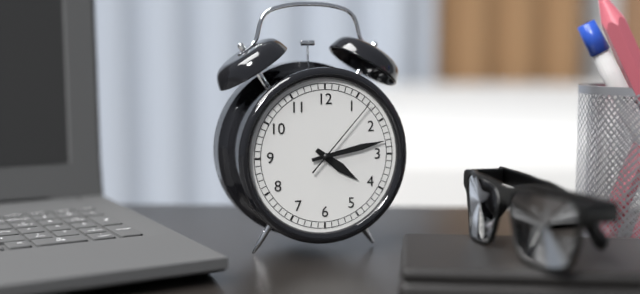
4:13:07
